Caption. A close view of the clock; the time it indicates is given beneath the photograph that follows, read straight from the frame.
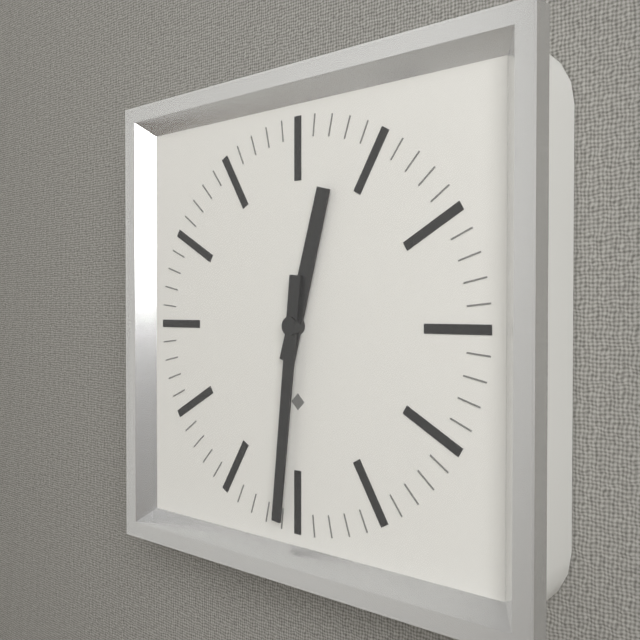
12:31
